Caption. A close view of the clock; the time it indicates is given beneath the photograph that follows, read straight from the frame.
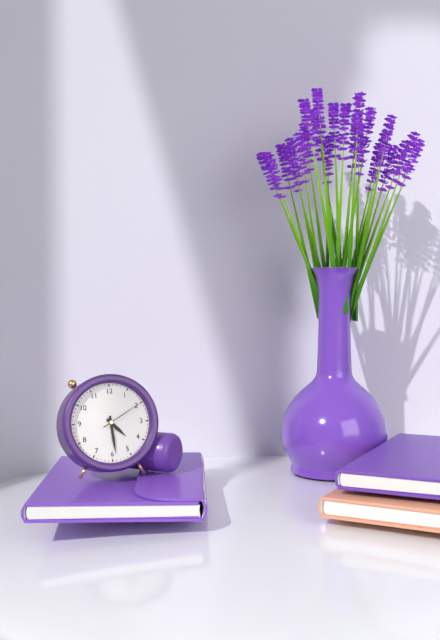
4:29
